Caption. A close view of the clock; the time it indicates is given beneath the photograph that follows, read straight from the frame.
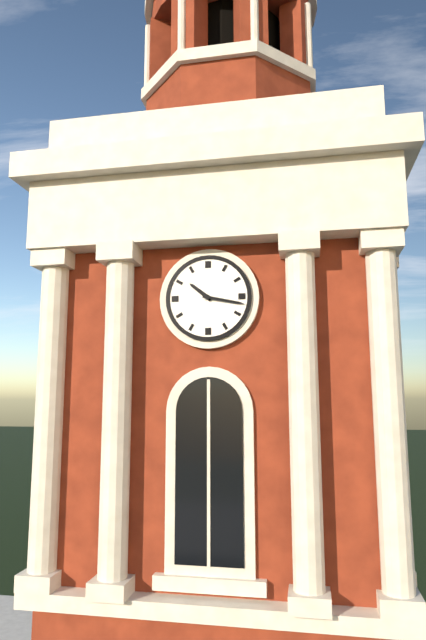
10:17
